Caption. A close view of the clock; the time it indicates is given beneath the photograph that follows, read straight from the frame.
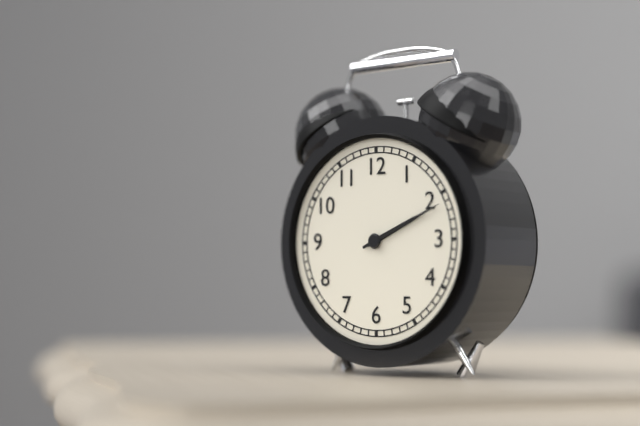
2:11
